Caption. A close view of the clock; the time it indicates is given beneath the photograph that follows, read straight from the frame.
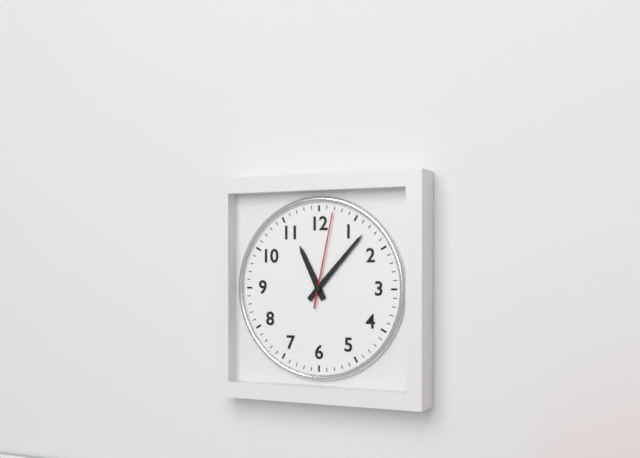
11:07:02
